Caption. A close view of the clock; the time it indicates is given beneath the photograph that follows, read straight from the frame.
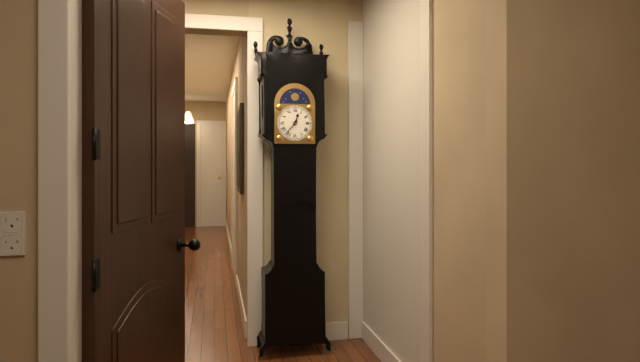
12:37
